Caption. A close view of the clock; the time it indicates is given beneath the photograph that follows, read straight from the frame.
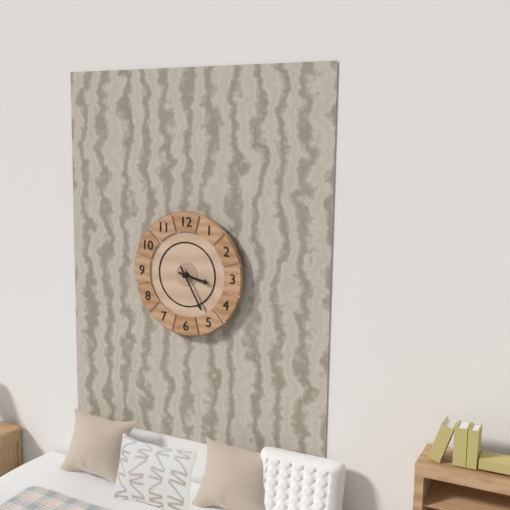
3:25
